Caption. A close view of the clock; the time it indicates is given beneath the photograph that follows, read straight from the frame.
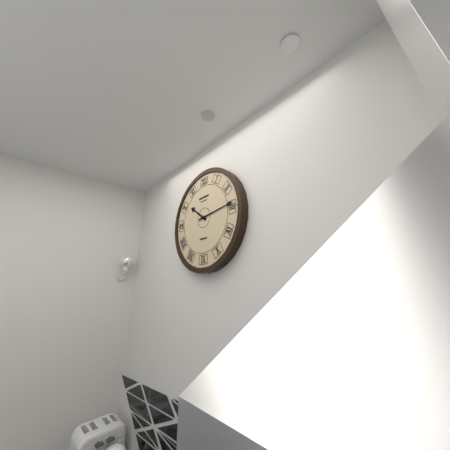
10:14
